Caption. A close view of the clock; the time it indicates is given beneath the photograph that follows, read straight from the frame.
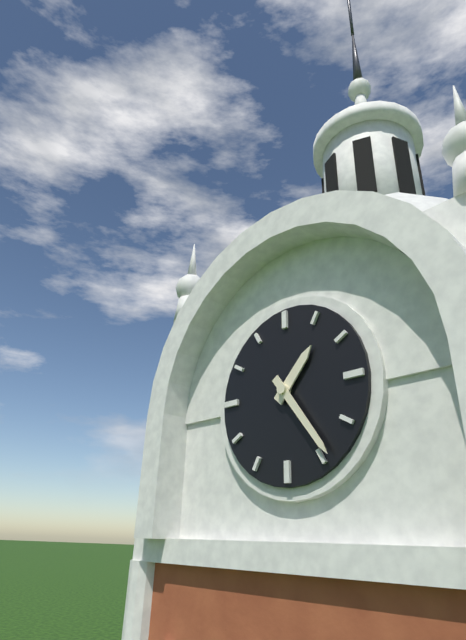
1:24
